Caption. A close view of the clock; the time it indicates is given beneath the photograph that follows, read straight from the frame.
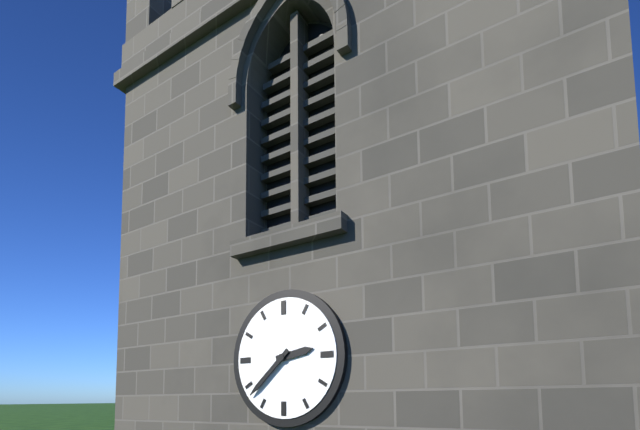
2:38
